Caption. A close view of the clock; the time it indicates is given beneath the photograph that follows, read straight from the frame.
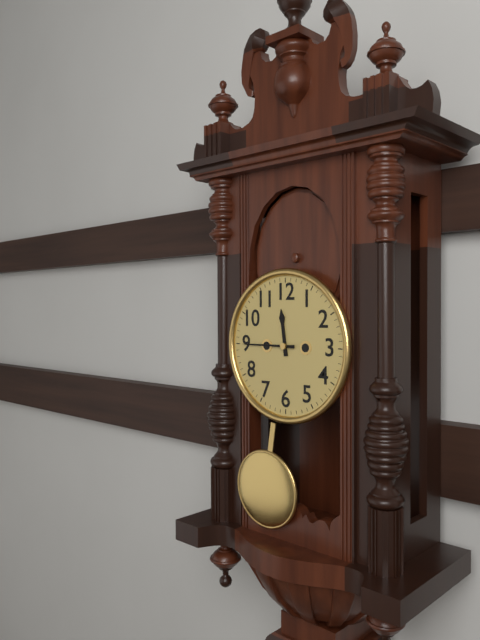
11:45
